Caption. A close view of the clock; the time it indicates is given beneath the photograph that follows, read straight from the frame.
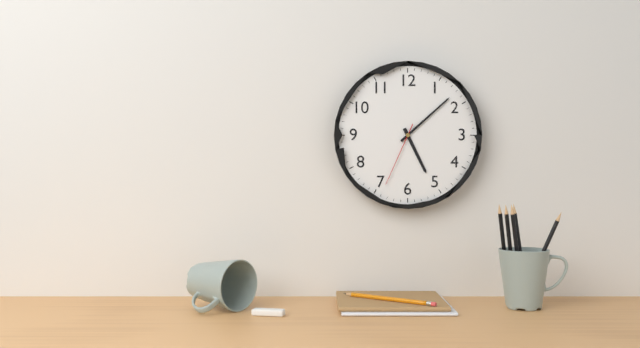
5:08:34
